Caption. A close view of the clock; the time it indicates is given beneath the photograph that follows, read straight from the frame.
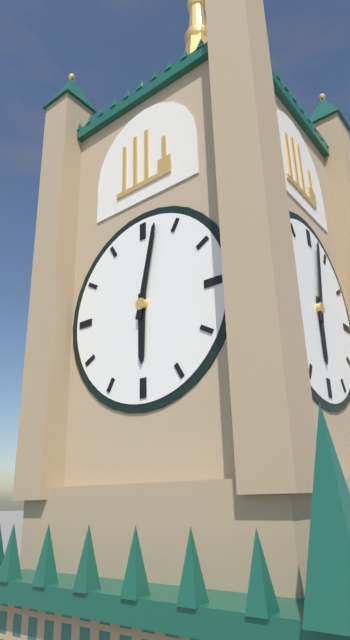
6:02
